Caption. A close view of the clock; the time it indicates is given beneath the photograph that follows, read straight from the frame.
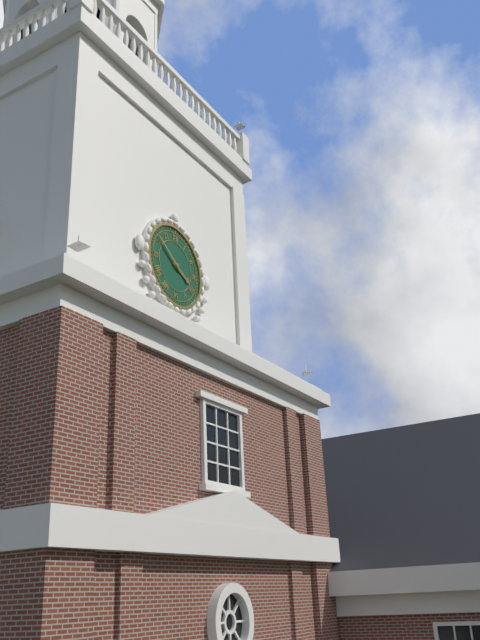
3:51
